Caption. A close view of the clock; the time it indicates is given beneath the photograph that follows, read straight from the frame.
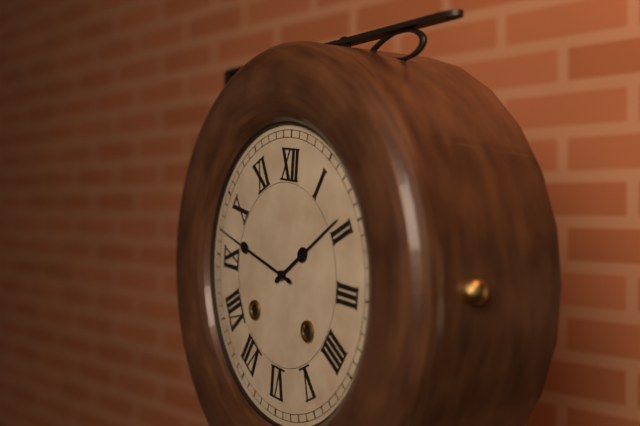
1:47
